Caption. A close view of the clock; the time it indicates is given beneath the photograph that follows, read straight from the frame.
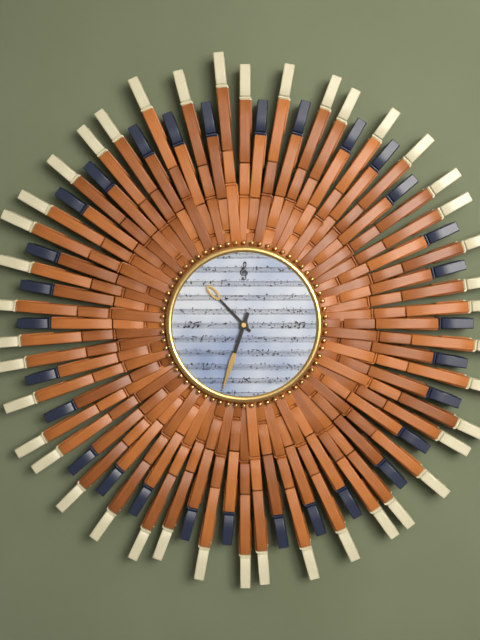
10:33
